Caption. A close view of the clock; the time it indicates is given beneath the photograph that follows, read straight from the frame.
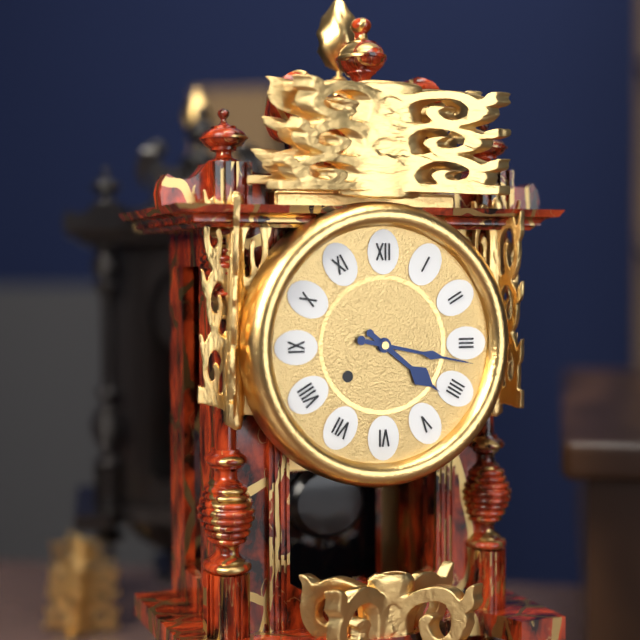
4:17
